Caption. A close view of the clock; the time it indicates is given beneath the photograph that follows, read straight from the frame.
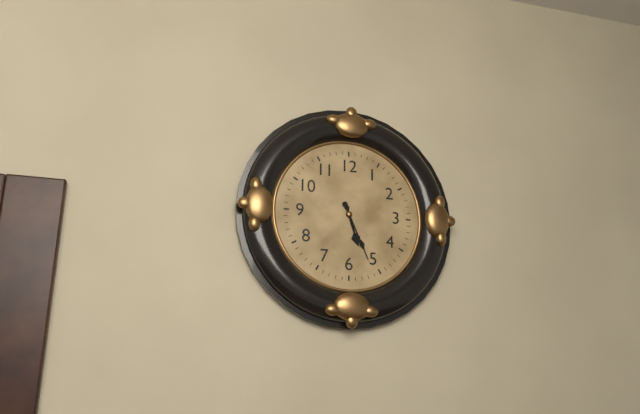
5:26
